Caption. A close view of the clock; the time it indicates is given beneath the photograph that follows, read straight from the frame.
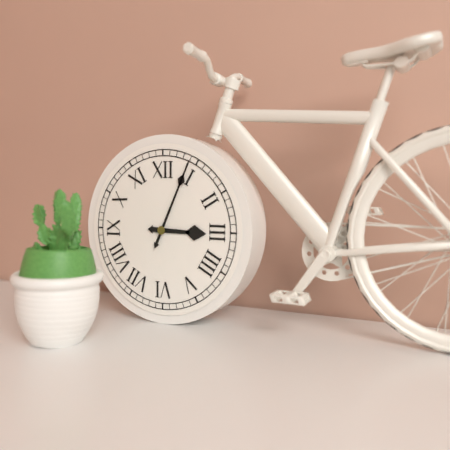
3:04
